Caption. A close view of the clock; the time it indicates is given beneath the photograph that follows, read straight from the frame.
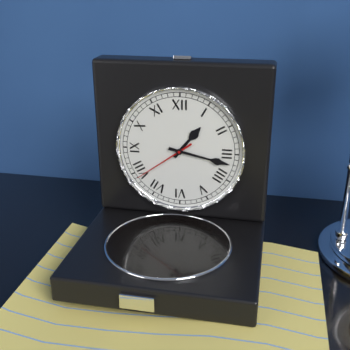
1:17:39
